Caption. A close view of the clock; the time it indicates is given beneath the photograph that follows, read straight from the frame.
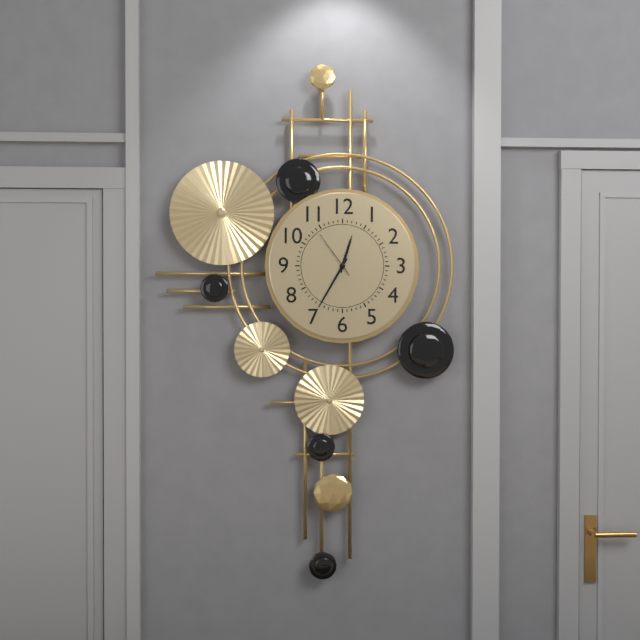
12:35
